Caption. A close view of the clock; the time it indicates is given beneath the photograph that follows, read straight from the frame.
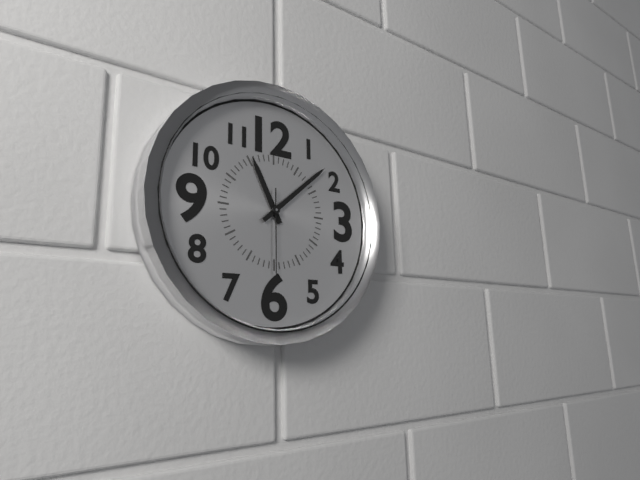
11:08:30
